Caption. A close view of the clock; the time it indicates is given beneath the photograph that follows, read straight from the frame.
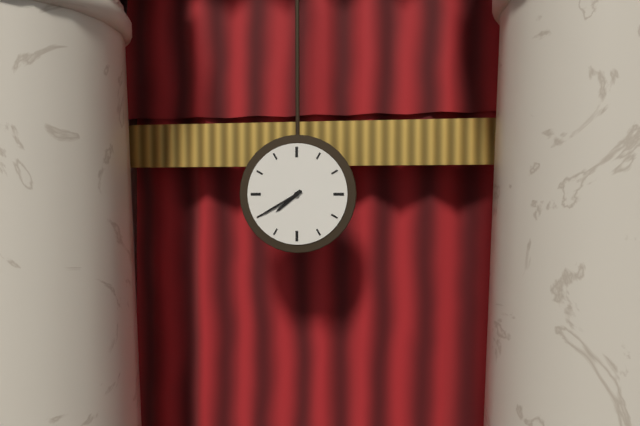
7:40
